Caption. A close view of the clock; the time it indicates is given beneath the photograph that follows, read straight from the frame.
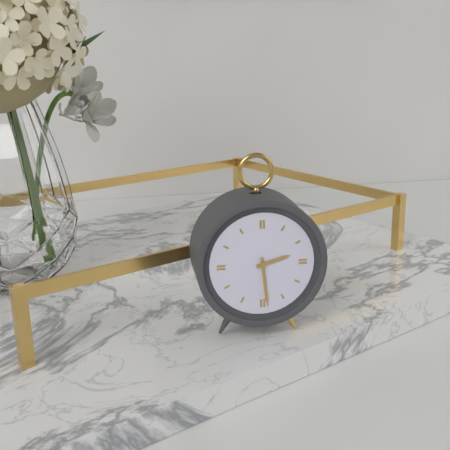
2:29
